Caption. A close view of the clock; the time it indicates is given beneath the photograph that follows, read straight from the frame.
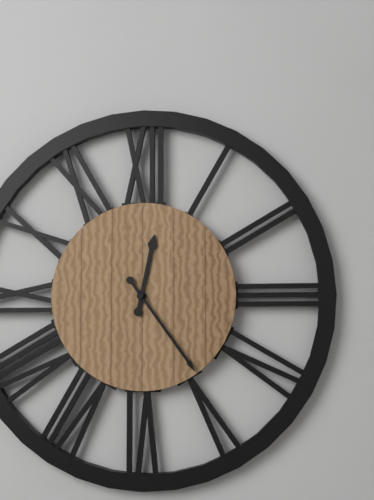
12:24
